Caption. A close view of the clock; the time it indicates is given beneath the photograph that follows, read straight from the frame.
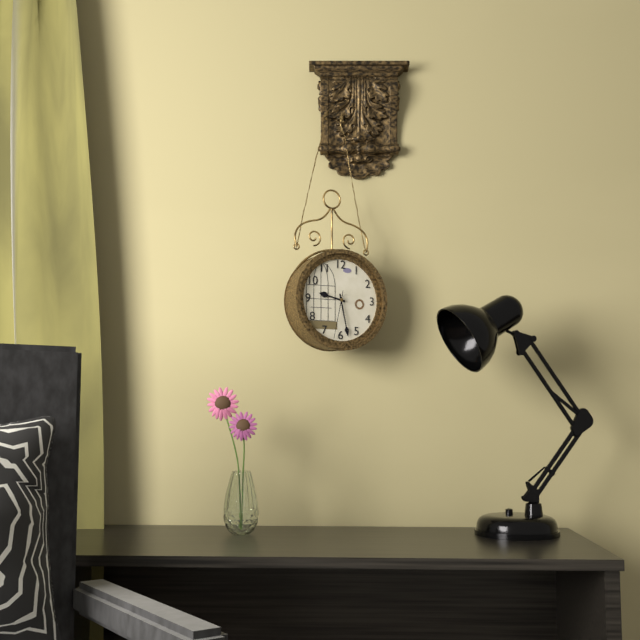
9:28
